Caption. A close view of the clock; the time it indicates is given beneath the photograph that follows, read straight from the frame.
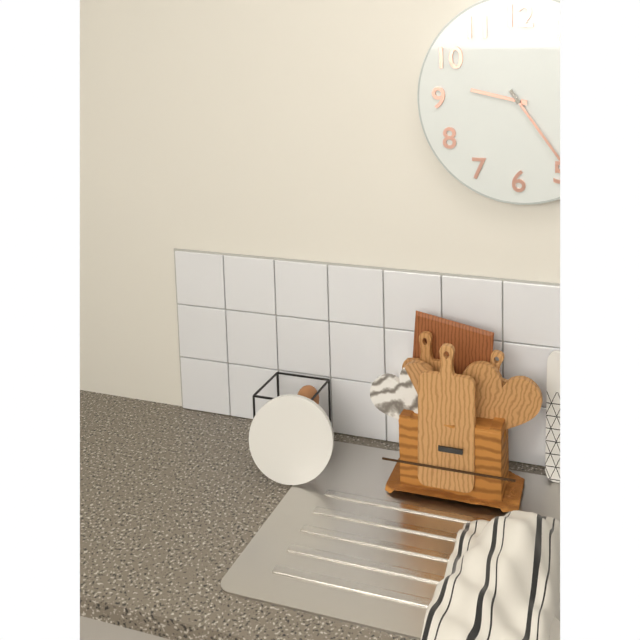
9:24
